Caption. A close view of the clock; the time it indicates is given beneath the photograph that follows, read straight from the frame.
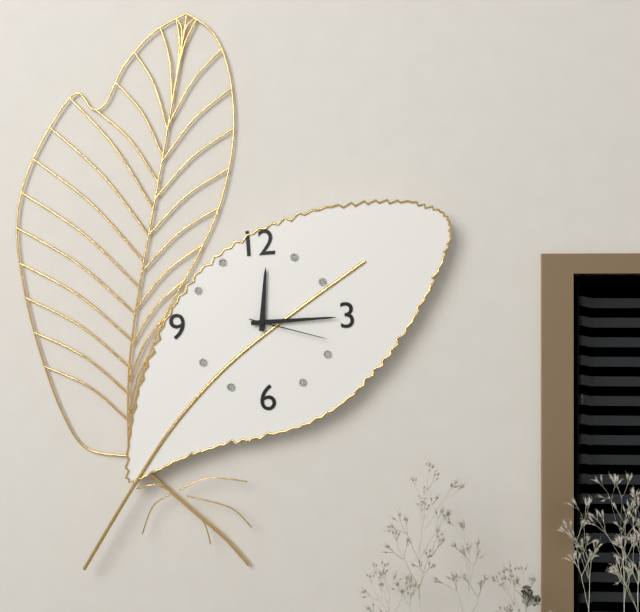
12:15:18
